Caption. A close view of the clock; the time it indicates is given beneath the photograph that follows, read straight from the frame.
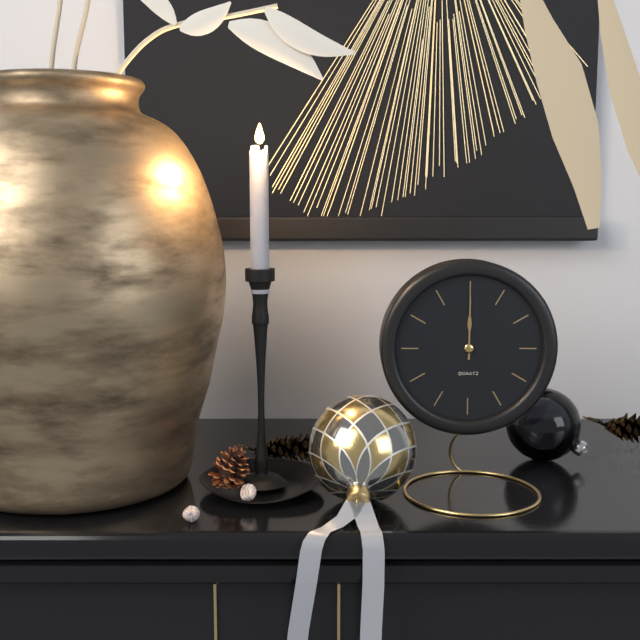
12:00
